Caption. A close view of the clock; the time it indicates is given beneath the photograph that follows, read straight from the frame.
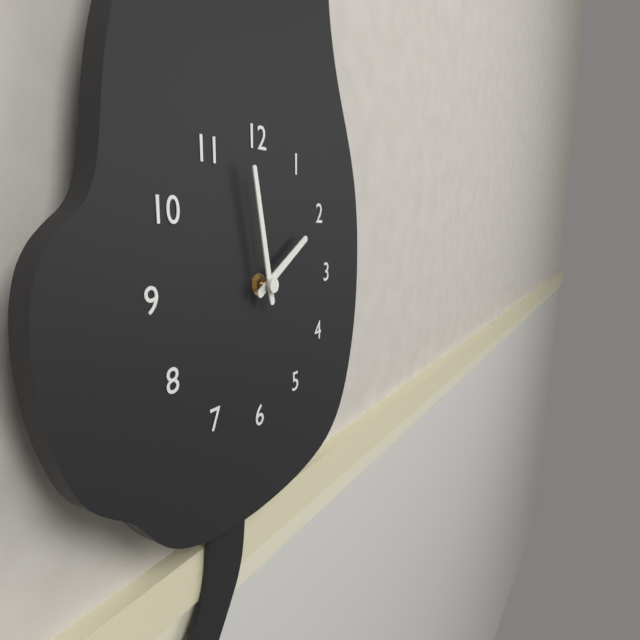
1:58
